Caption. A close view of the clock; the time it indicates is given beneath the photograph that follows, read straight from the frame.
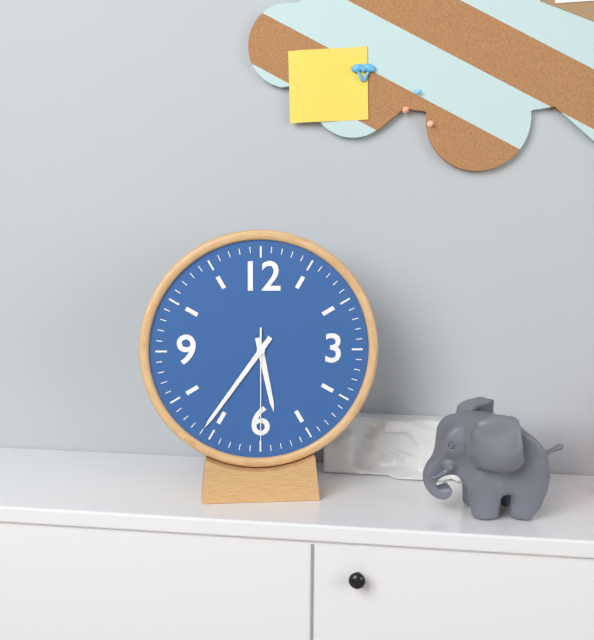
5:36:30
